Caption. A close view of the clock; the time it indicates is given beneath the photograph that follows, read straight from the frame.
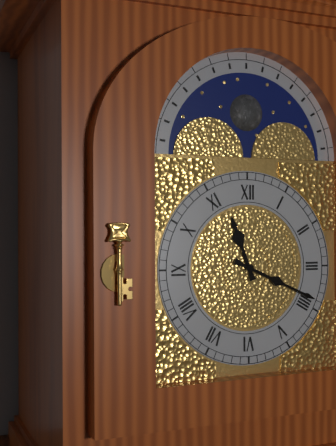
11:19
